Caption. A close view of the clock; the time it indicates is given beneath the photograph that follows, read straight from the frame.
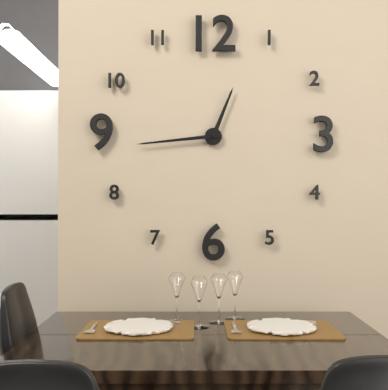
12:44
